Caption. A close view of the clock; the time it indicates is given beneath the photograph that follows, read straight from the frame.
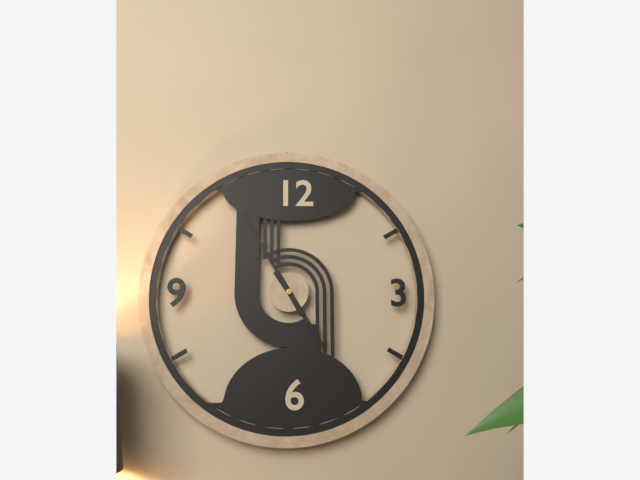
4:55
